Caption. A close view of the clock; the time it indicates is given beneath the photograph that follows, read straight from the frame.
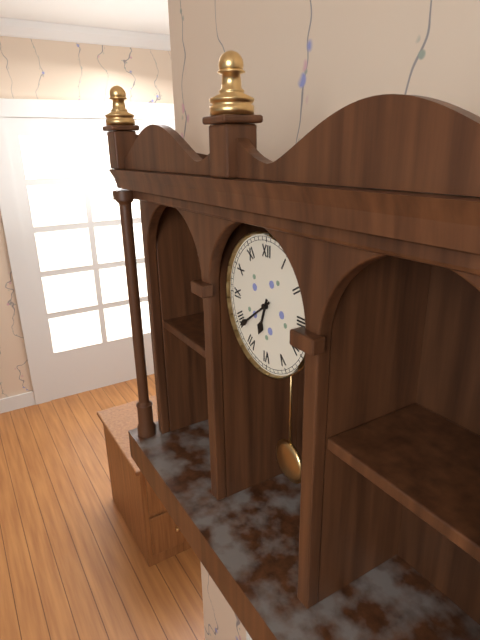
6:39
